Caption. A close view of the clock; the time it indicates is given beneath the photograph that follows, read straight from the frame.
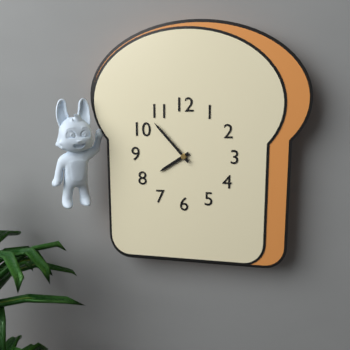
7:53
